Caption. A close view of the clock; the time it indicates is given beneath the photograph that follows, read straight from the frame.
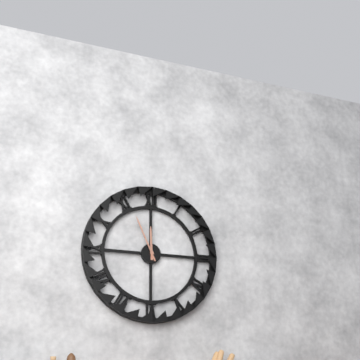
11:56
